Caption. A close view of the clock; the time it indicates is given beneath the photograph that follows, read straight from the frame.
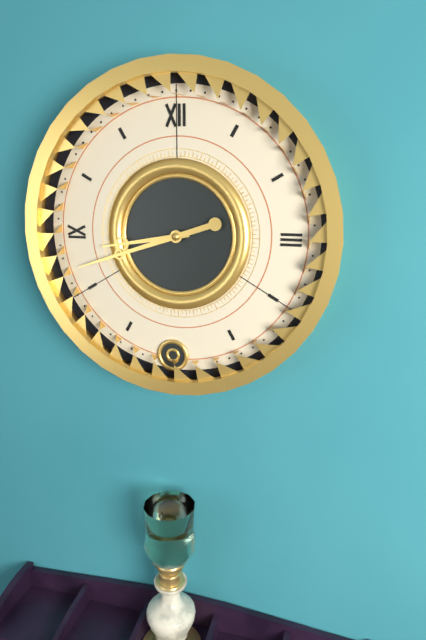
8:42
